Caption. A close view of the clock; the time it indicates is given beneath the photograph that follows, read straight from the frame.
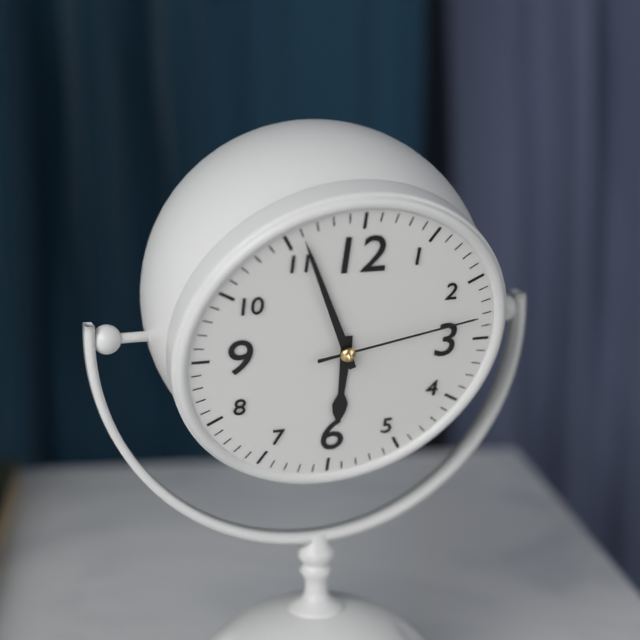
5:56:13
